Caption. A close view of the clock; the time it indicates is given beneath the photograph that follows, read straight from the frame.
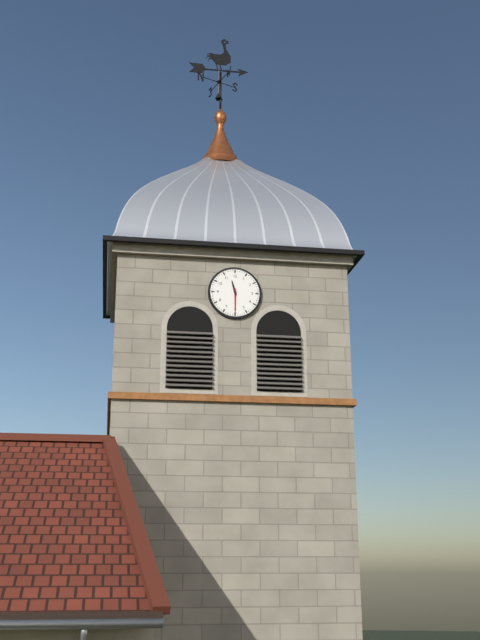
11:30
